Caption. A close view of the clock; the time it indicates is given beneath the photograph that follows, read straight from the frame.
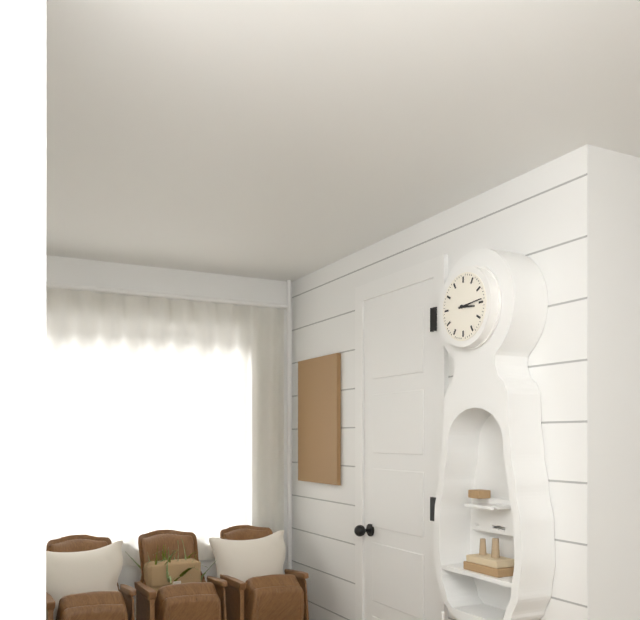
3:14
